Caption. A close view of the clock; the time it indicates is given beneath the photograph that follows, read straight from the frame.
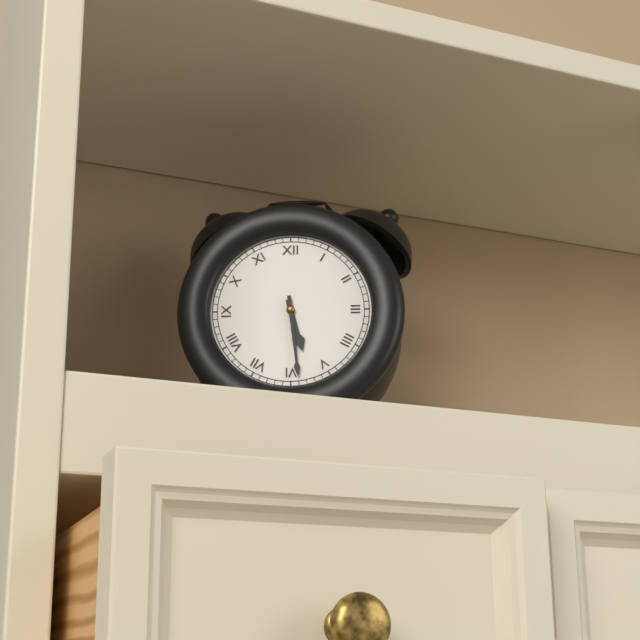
5:29
